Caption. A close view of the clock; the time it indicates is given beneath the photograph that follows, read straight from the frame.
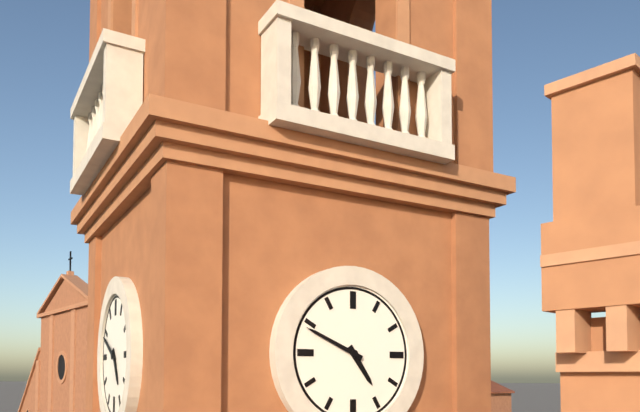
4:49
